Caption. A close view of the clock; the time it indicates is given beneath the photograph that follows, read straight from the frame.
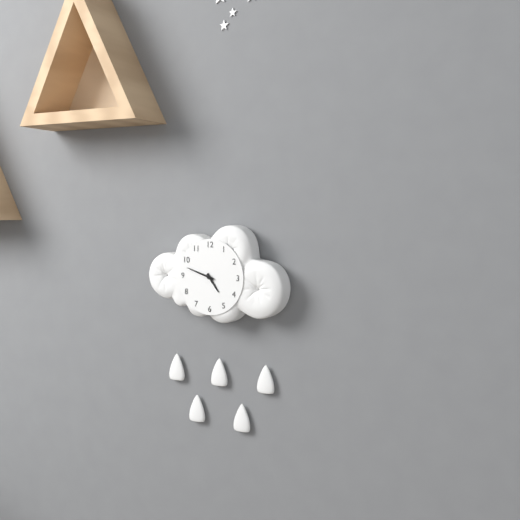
4:48
